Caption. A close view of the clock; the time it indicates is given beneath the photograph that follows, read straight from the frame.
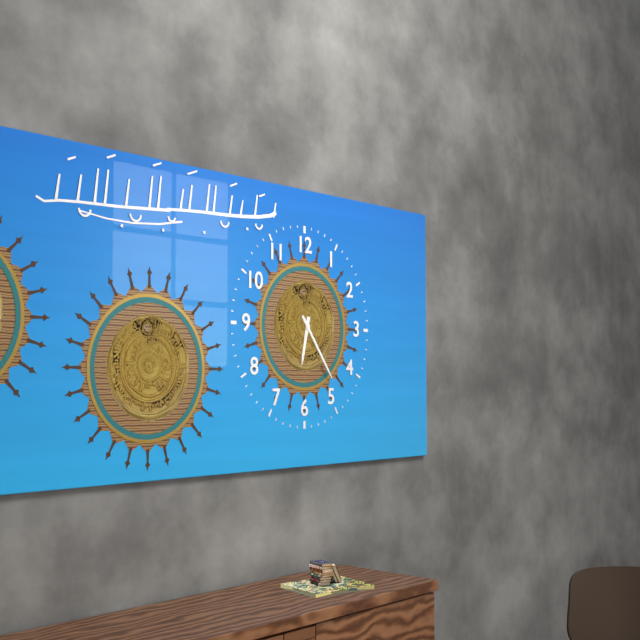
6:24
